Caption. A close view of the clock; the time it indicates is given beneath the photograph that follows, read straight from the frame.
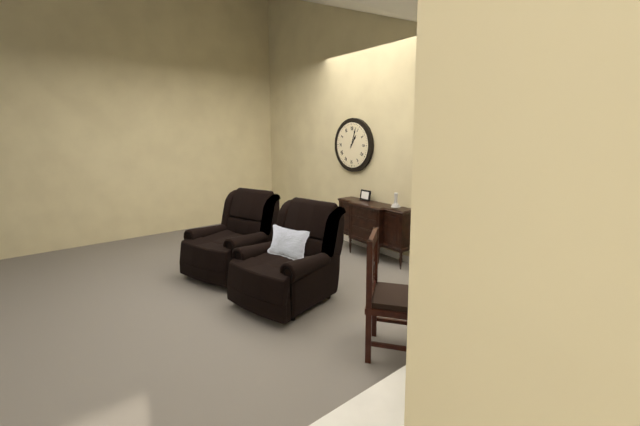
1:03
